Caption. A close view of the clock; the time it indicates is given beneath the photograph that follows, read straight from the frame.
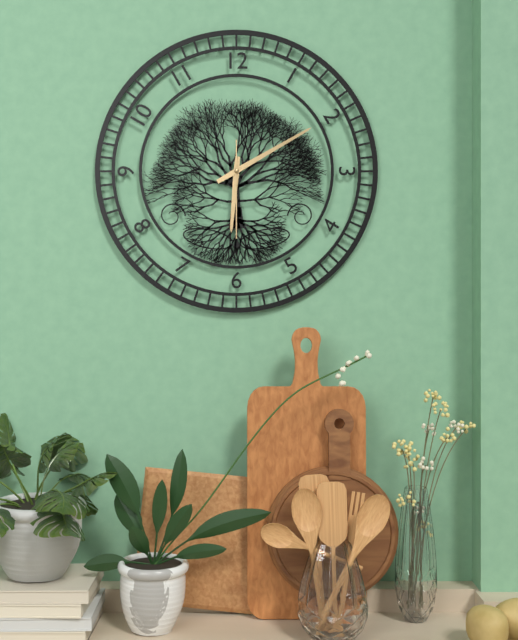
6:10:30
